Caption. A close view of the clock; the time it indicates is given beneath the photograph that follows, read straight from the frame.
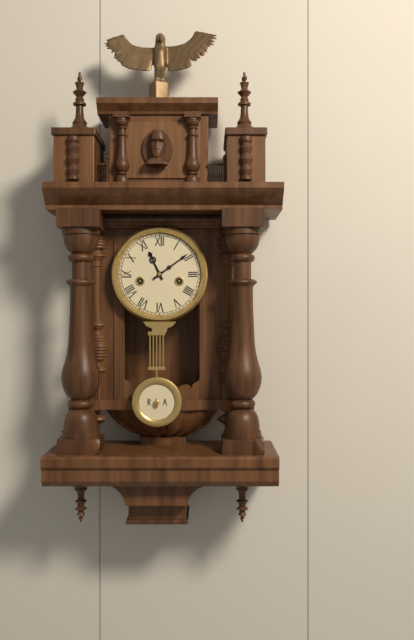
11:09
